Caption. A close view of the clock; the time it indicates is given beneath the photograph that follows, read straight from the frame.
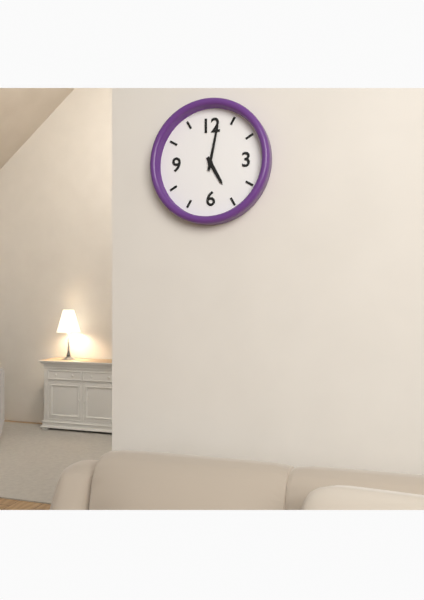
5:02
